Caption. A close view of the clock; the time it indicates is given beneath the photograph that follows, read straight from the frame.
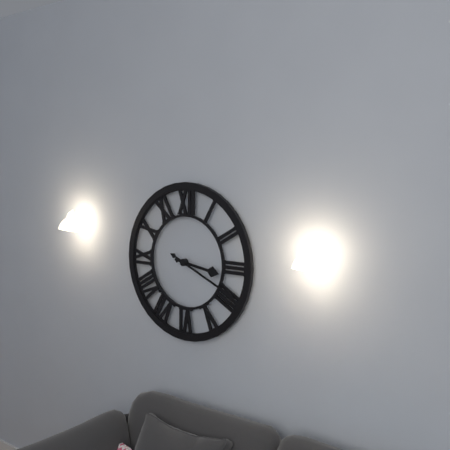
3:19
